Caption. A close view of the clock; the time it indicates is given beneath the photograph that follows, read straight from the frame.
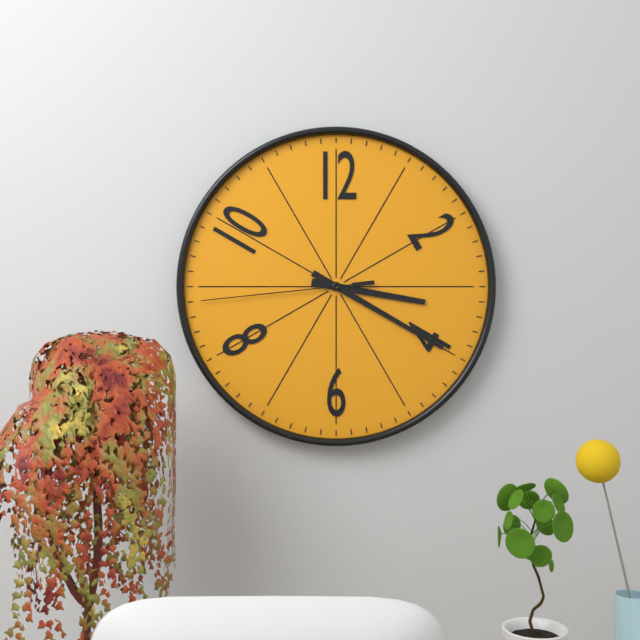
3:20:44
